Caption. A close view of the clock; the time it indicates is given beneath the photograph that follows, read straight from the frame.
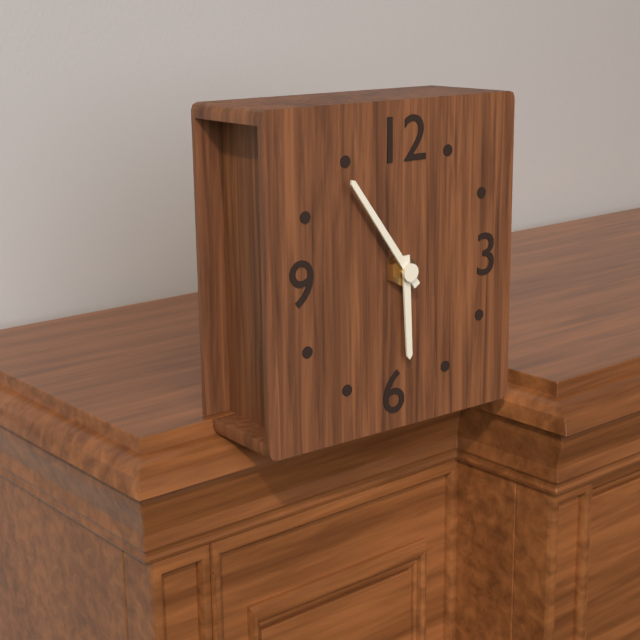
5:54
